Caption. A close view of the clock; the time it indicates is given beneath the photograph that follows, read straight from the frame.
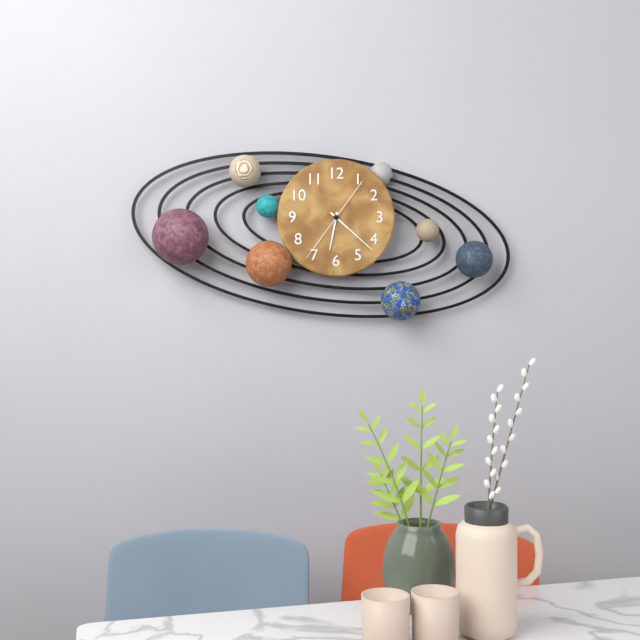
6:22:36
